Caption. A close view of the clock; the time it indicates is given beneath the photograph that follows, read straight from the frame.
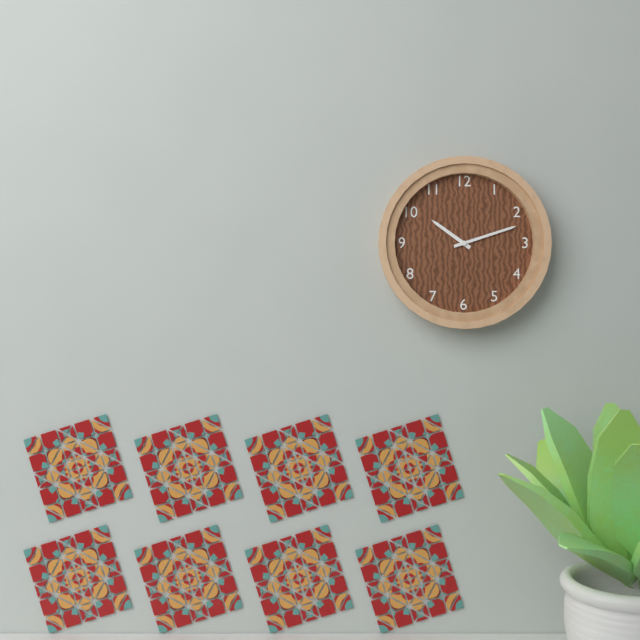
10:12
